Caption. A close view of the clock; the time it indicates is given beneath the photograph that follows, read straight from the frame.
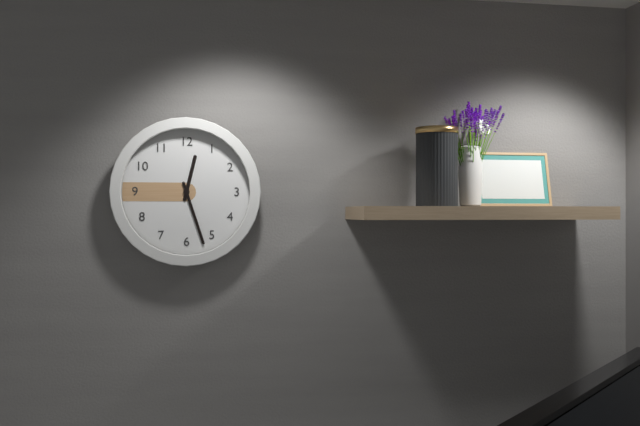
12:27
